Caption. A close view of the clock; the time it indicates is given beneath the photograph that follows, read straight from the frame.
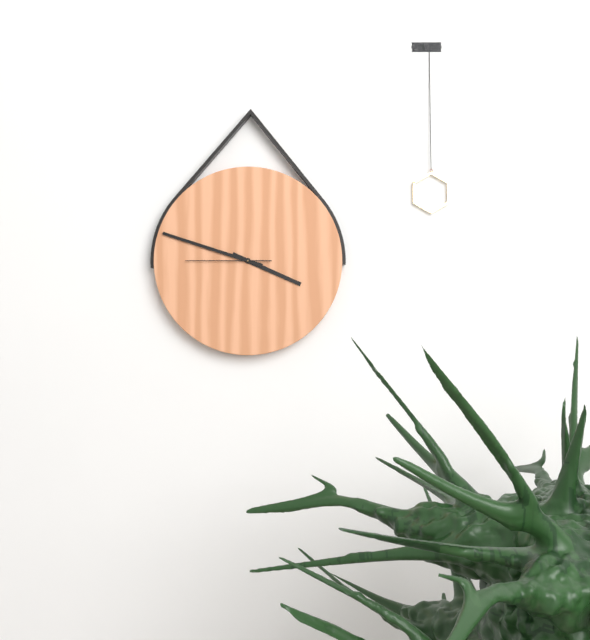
3:48:45
